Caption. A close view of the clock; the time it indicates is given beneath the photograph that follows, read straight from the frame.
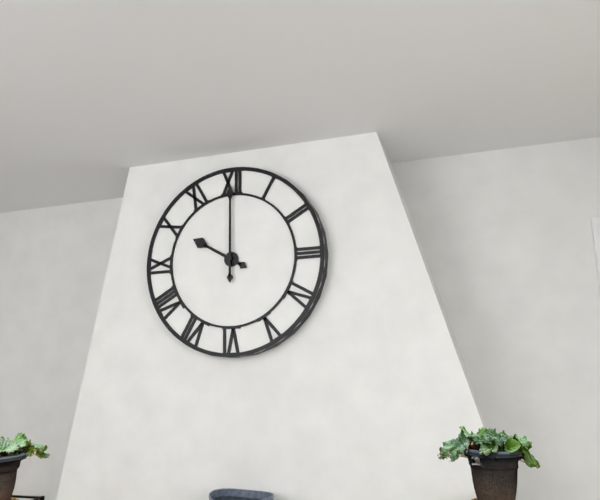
10:00
